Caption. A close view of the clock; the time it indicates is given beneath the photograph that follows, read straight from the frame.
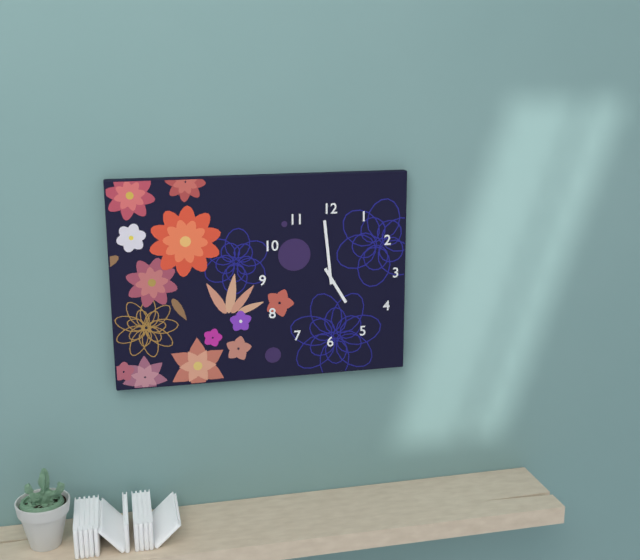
4:59
